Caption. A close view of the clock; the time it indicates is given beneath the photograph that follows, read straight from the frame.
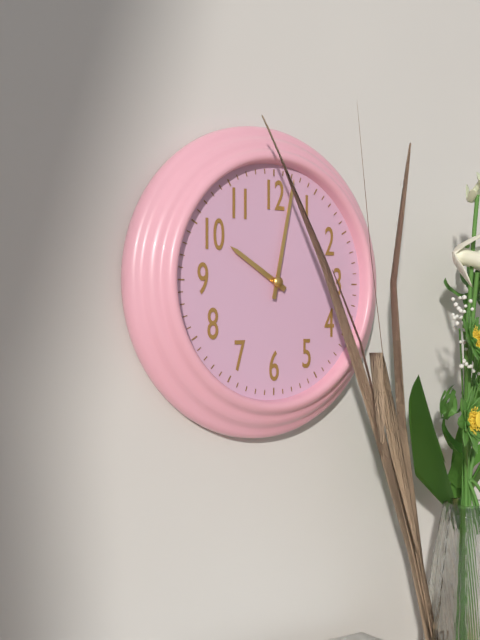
10:02
